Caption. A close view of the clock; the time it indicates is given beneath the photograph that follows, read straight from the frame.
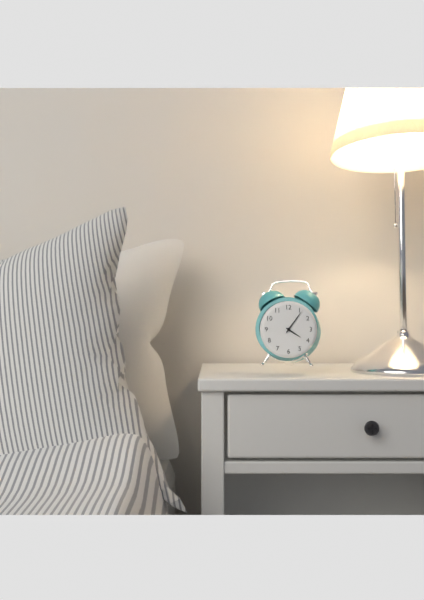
4:06
